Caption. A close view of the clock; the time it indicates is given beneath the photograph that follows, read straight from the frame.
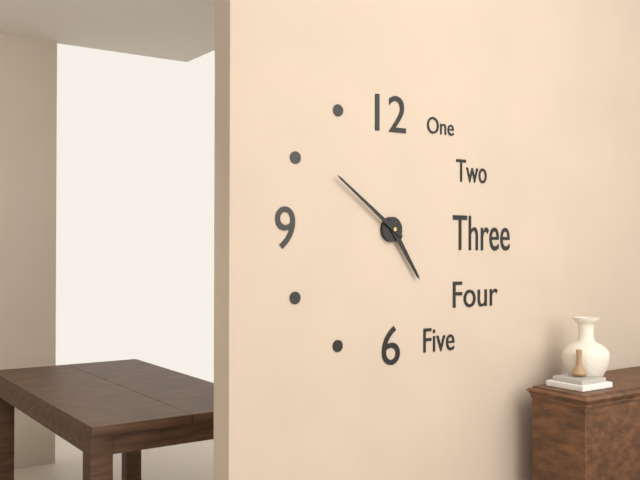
4:51
